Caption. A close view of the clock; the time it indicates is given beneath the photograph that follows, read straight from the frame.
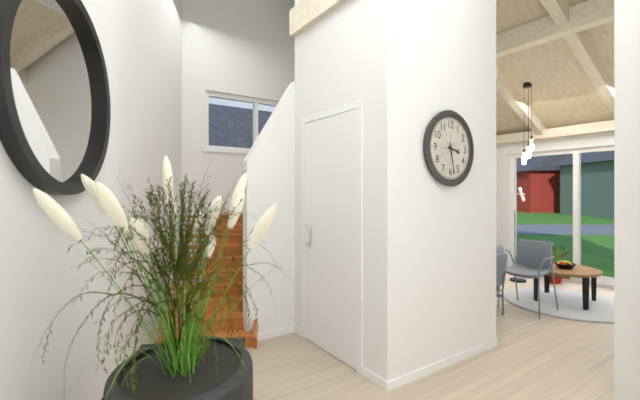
3:28
